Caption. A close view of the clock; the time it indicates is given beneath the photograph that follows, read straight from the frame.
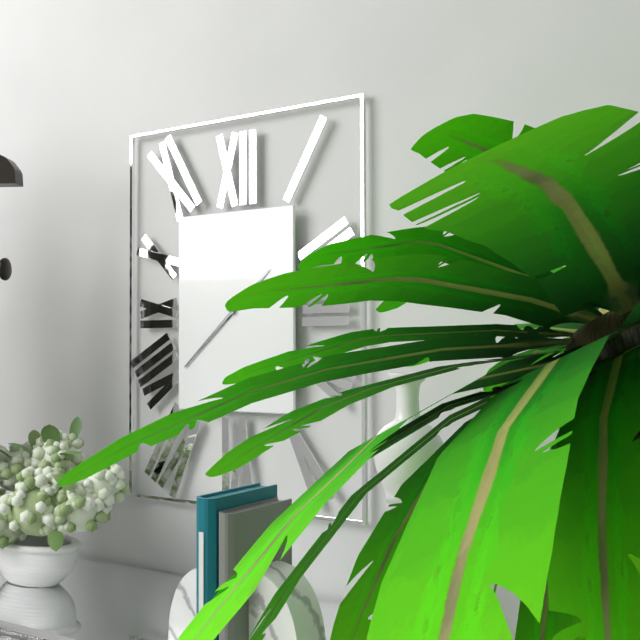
1:38
